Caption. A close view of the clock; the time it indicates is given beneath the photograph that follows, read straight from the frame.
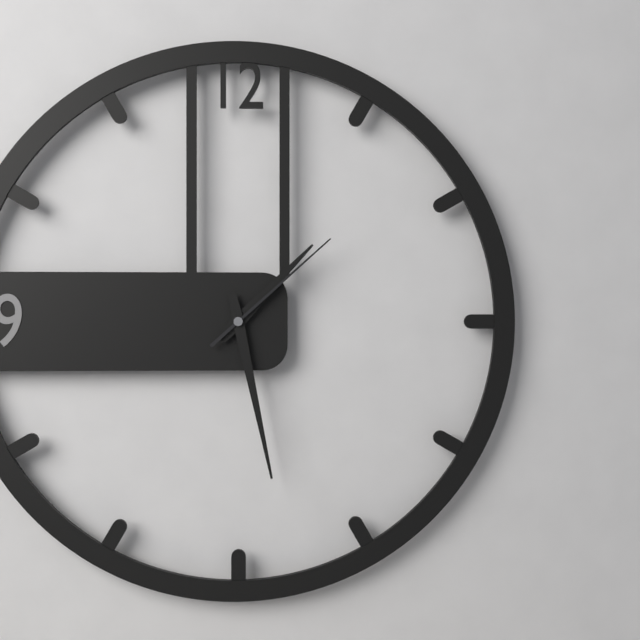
1:28:08
